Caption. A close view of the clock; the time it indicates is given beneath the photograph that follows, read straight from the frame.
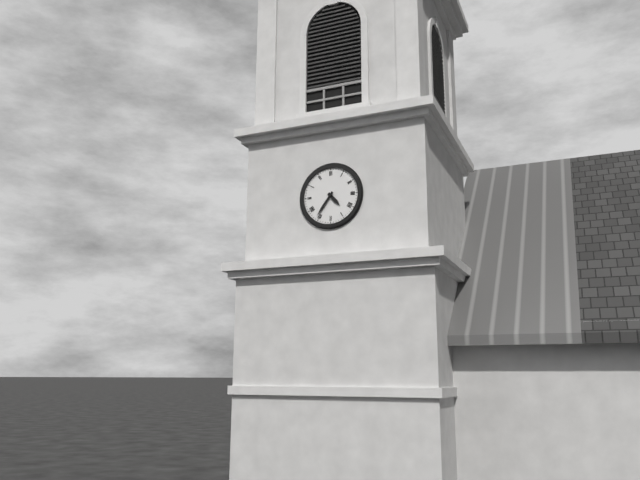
4:36
